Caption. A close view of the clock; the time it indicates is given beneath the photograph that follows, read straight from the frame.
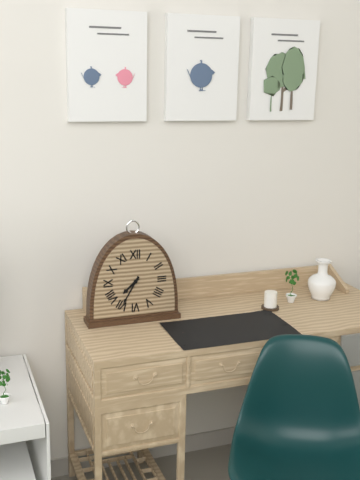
7:35
